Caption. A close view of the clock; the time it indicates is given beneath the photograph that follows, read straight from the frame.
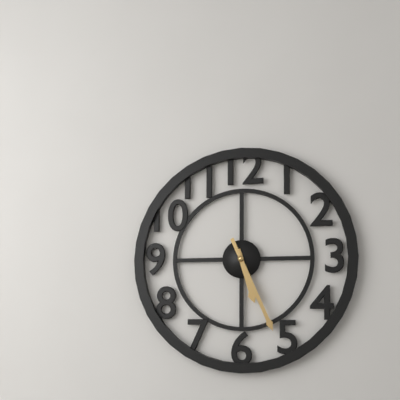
5:26
